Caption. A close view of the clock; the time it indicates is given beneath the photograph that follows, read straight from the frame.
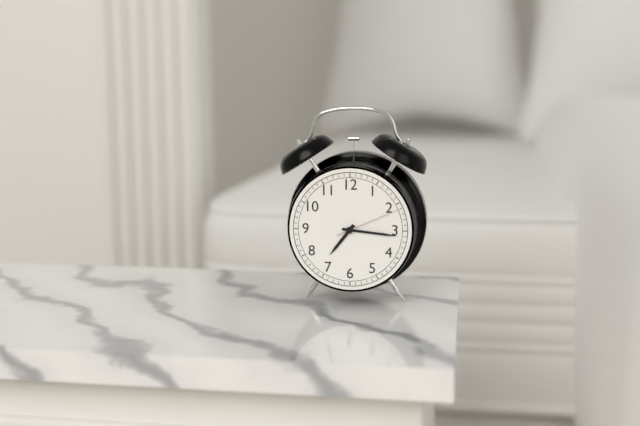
7:16:11
